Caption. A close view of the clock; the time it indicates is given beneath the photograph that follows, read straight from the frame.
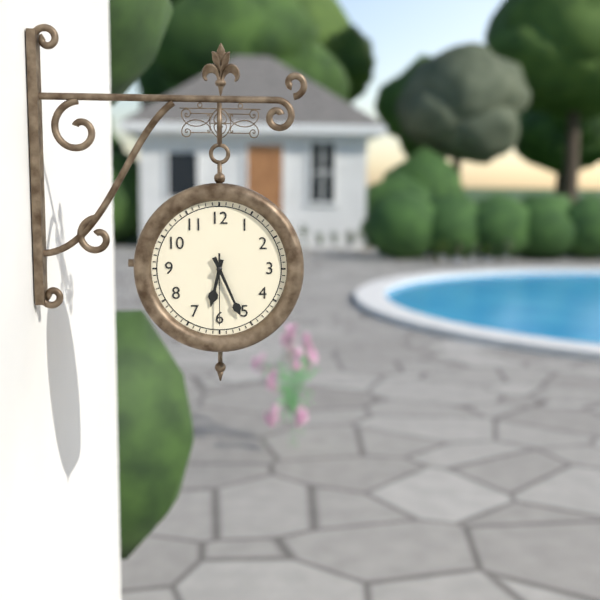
6:26:30
